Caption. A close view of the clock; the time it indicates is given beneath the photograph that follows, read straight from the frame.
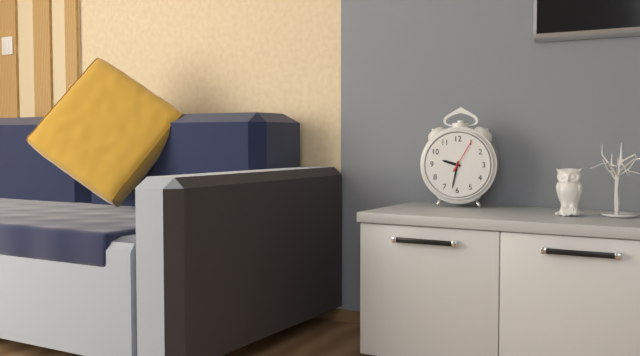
9:32
